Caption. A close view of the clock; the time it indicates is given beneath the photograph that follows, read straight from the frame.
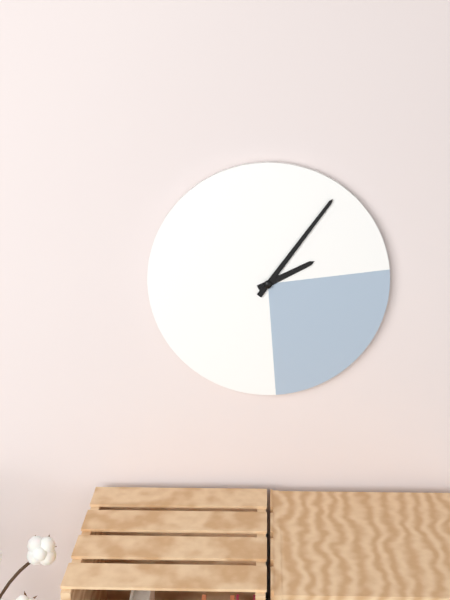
2:06
